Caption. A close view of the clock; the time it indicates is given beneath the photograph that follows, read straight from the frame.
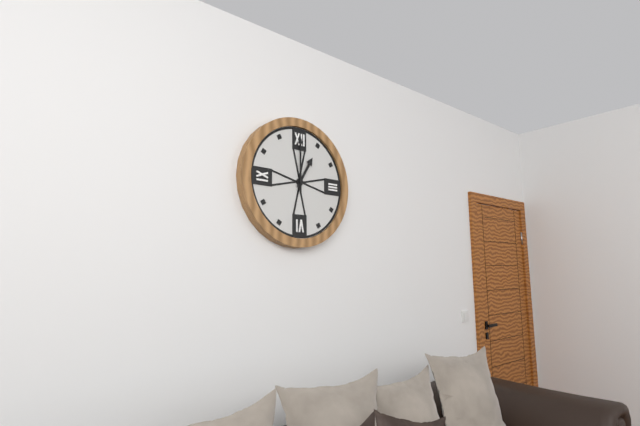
1:00
